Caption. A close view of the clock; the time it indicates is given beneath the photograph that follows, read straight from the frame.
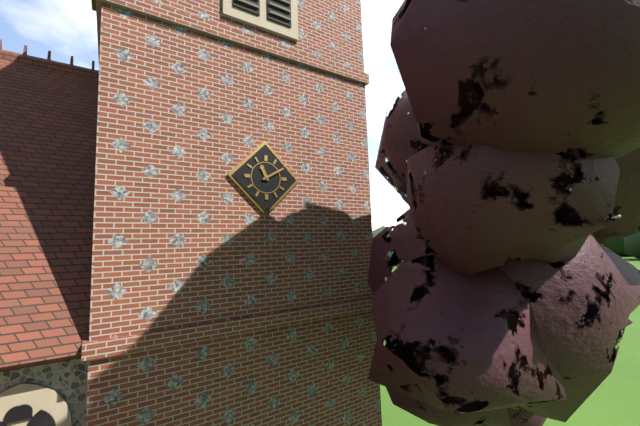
11:10
